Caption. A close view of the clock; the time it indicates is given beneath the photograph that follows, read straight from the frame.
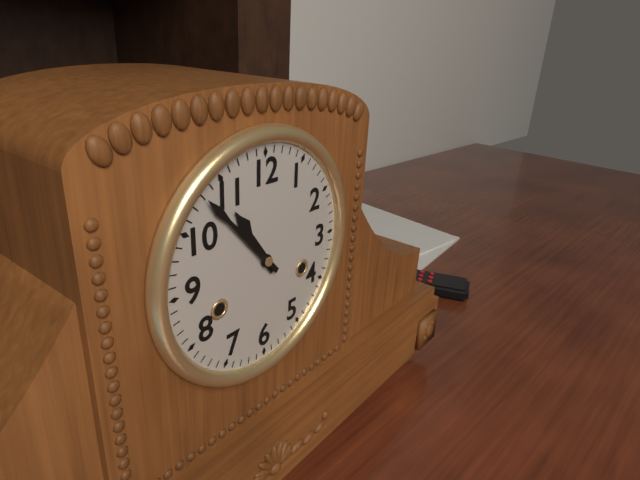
10:53
